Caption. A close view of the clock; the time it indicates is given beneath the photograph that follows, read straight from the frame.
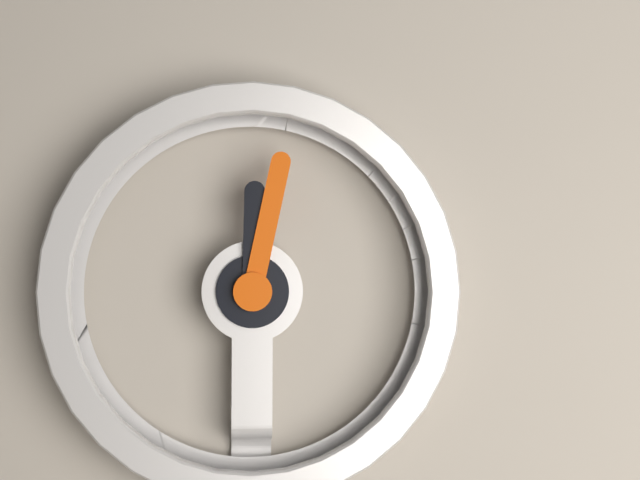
12:02
